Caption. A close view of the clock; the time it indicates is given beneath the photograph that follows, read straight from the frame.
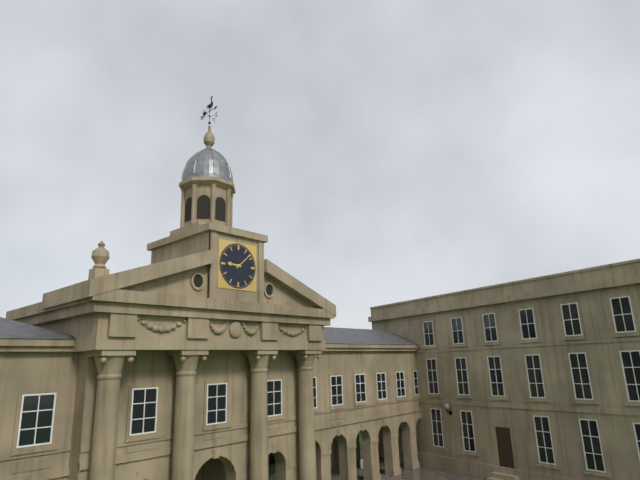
9:08
